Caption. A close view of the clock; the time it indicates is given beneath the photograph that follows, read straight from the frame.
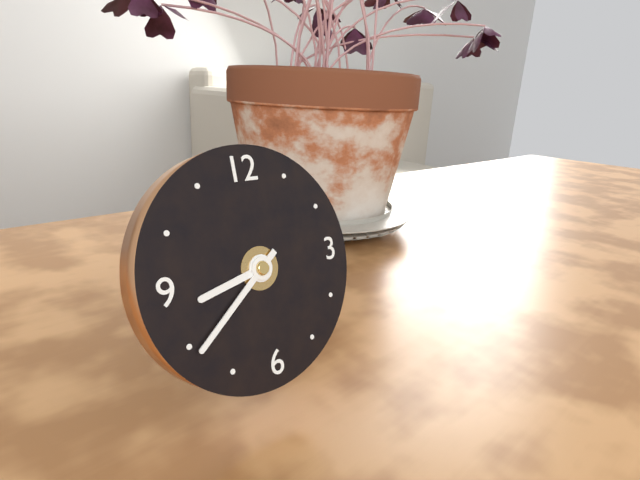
8:39
